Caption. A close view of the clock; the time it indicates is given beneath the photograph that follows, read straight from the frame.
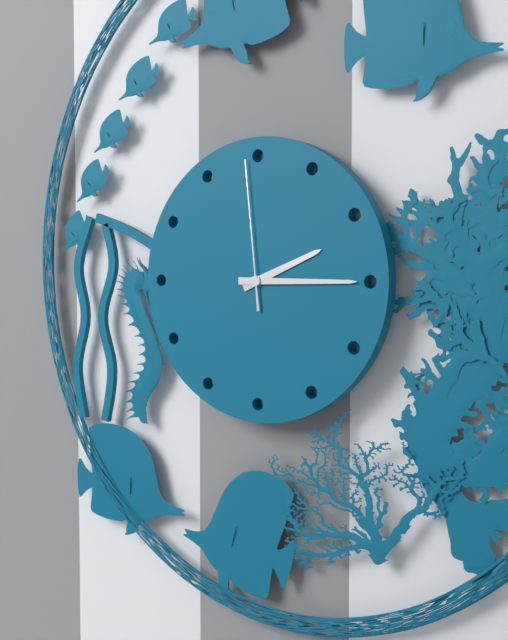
2:15:59
